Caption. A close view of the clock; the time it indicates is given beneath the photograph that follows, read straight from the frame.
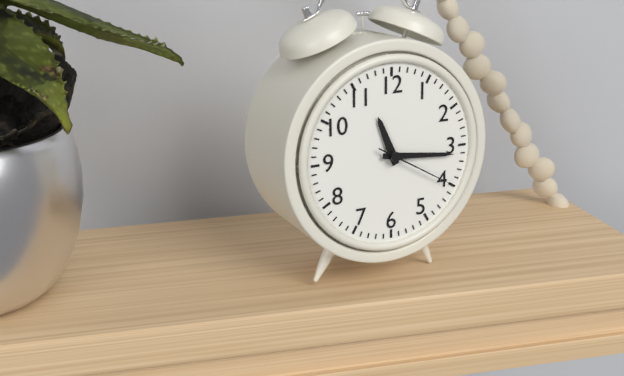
11:16:20
